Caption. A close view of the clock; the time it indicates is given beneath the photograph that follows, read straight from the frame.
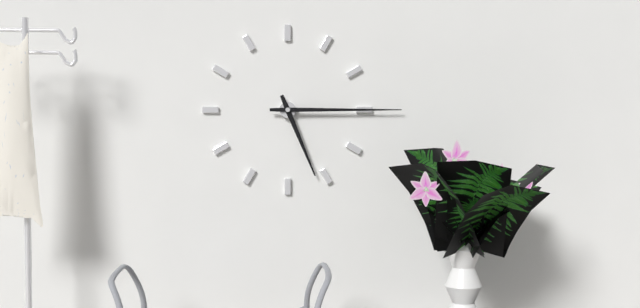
5:15
